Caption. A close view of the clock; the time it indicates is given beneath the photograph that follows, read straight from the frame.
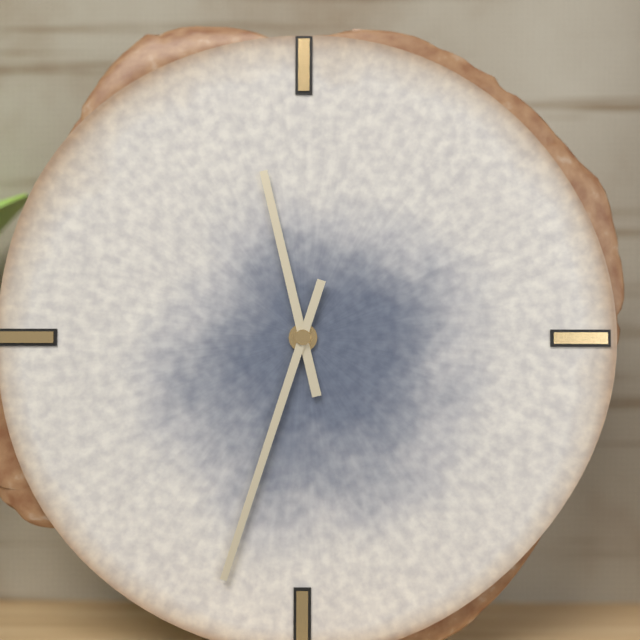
11:33
